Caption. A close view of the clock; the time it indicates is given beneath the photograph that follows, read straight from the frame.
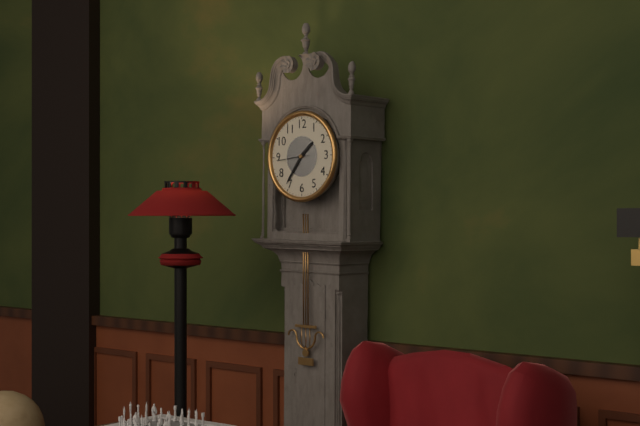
1:36
